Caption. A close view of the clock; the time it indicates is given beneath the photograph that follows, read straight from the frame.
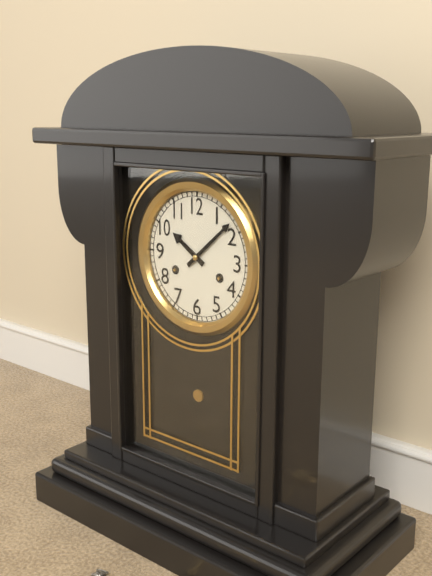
10:08
